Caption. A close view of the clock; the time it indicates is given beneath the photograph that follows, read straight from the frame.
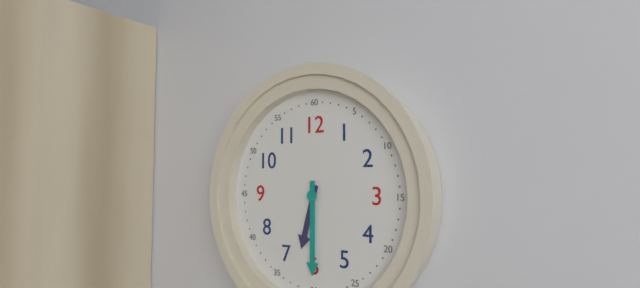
6:30
